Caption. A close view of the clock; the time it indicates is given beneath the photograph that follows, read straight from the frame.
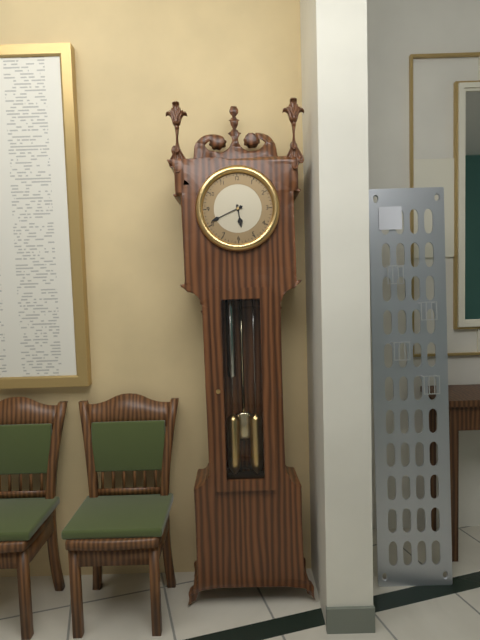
5:41
